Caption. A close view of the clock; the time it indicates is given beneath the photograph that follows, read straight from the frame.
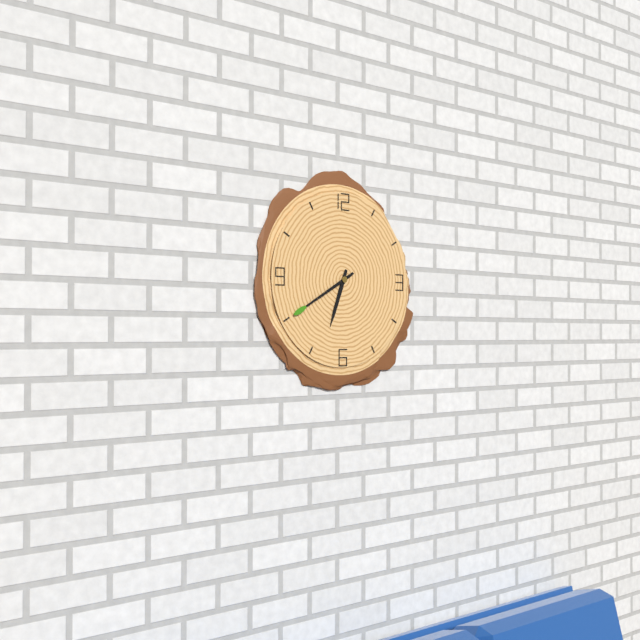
6:40
